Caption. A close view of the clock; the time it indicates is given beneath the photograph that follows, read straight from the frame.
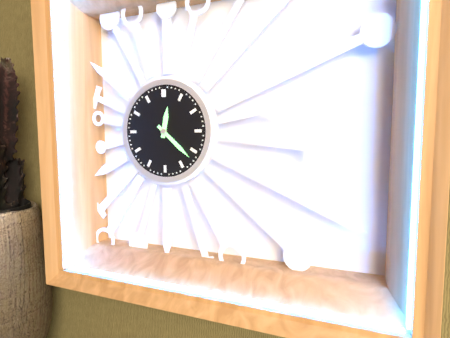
12:22
